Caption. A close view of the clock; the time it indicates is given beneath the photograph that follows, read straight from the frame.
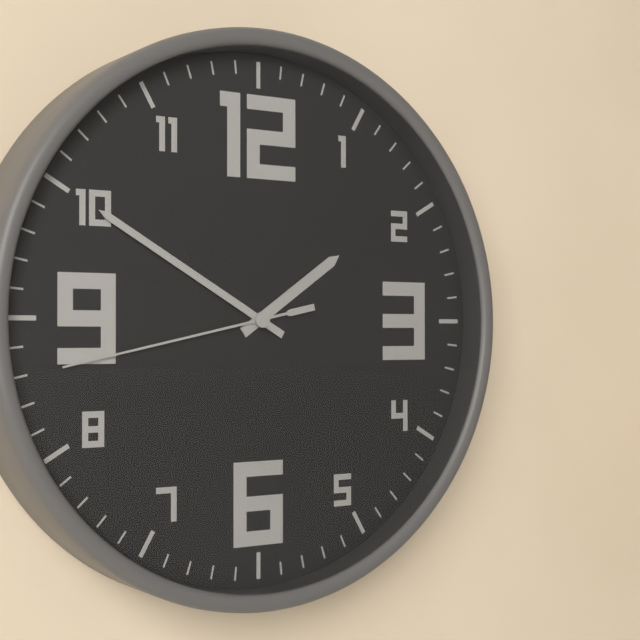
1:50:43
